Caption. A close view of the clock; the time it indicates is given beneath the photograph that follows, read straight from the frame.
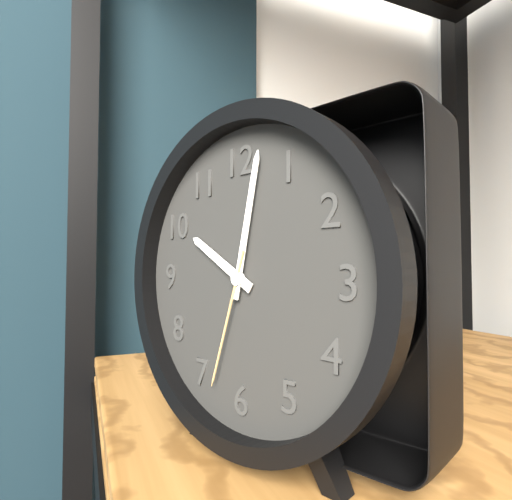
10:02:33
